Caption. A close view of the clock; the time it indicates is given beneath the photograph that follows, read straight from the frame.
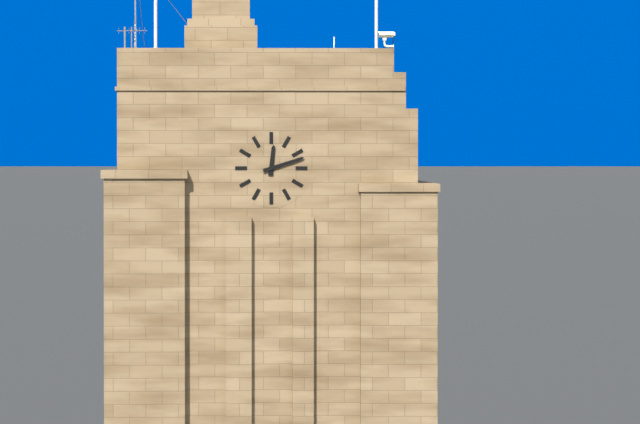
12:12
